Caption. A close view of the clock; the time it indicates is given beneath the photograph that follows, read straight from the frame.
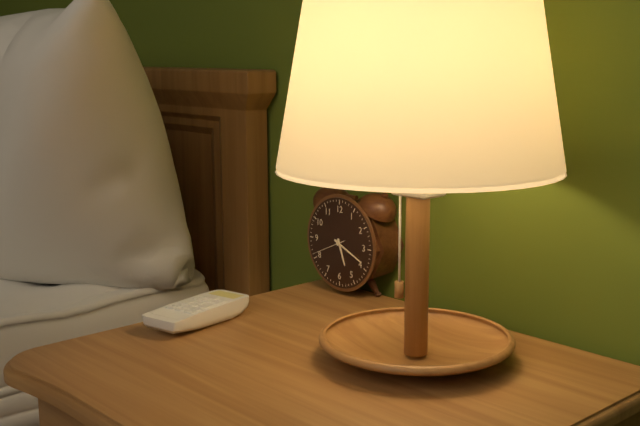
5:19
